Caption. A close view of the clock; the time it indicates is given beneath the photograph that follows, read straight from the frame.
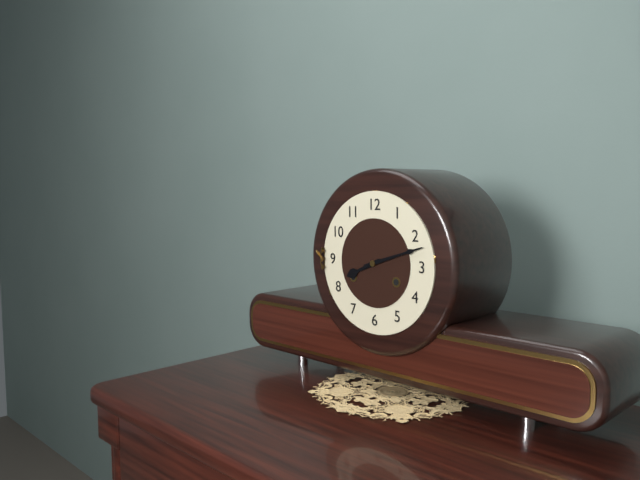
8:12
